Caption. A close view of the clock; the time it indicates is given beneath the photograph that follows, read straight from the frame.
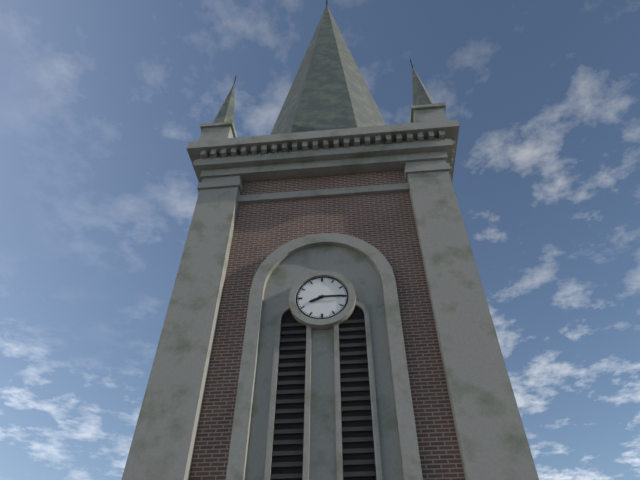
8:15
